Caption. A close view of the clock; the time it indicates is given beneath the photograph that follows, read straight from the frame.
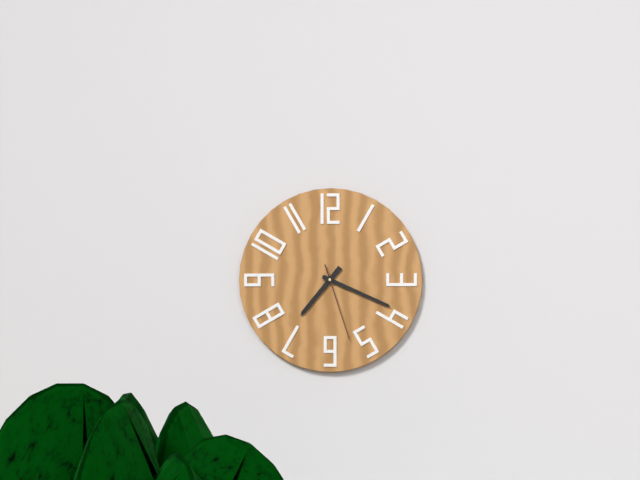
7:19:27
